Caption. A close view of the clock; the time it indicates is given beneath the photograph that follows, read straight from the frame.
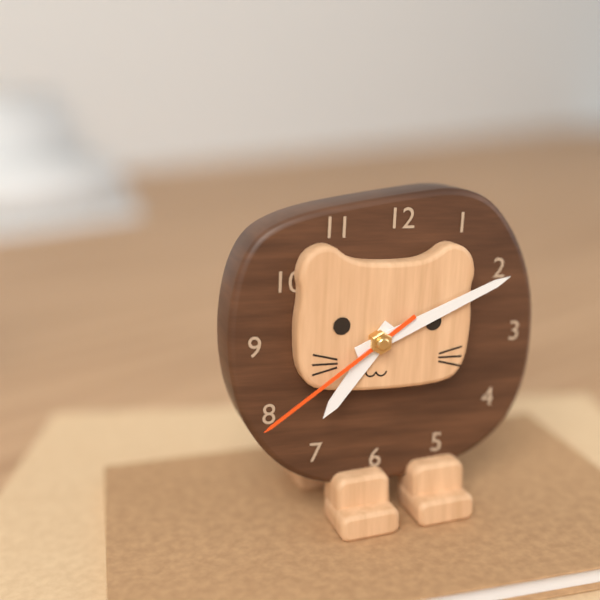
7:11:39
